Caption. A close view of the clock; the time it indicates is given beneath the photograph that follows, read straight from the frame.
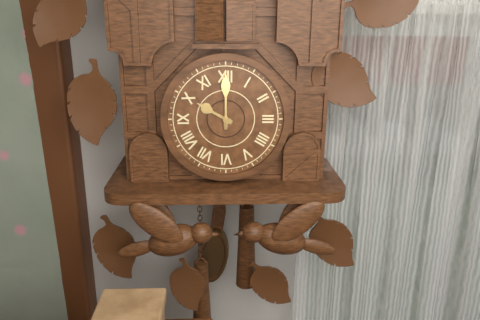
10:00
